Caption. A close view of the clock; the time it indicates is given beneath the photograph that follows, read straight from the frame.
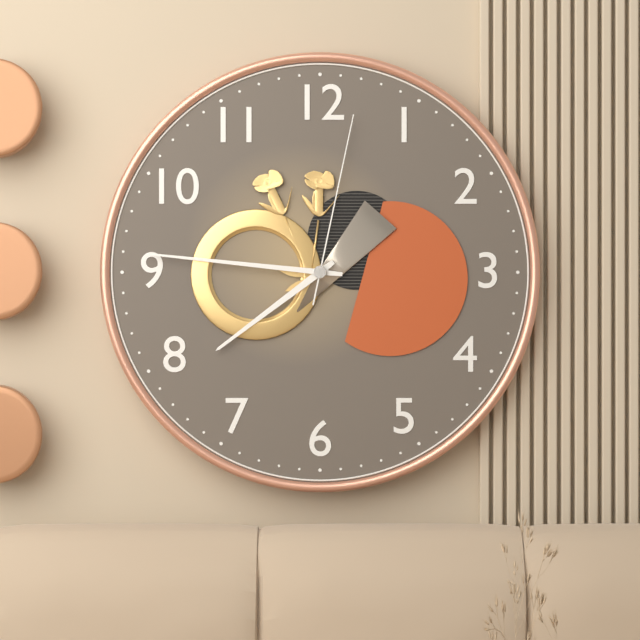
7:46:02
